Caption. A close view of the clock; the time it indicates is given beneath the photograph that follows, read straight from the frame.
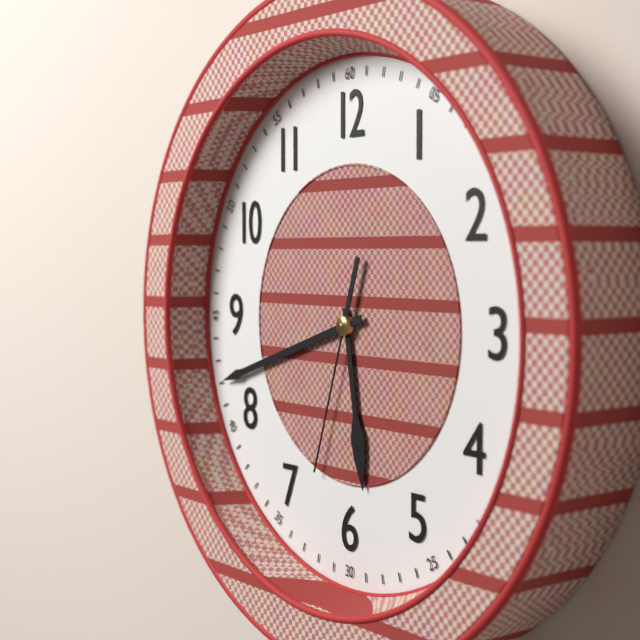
5:42:33
